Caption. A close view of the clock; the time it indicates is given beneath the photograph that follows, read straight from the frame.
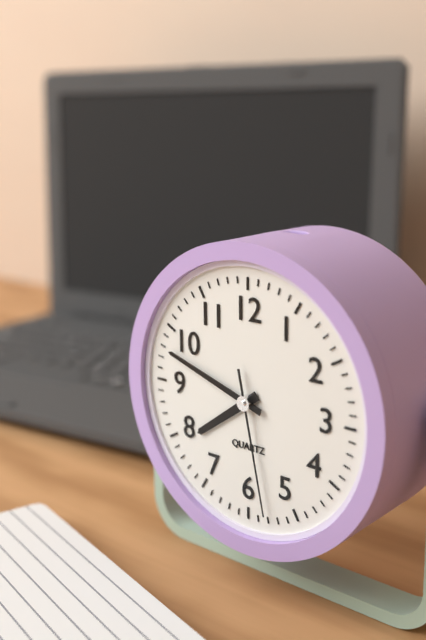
7:48:28
